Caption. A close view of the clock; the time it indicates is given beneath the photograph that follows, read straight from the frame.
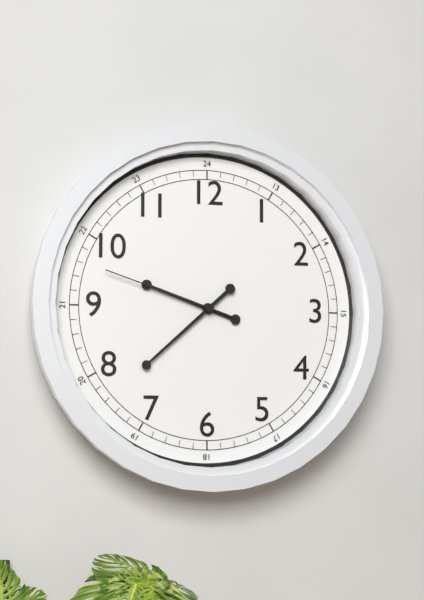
9:38:48
